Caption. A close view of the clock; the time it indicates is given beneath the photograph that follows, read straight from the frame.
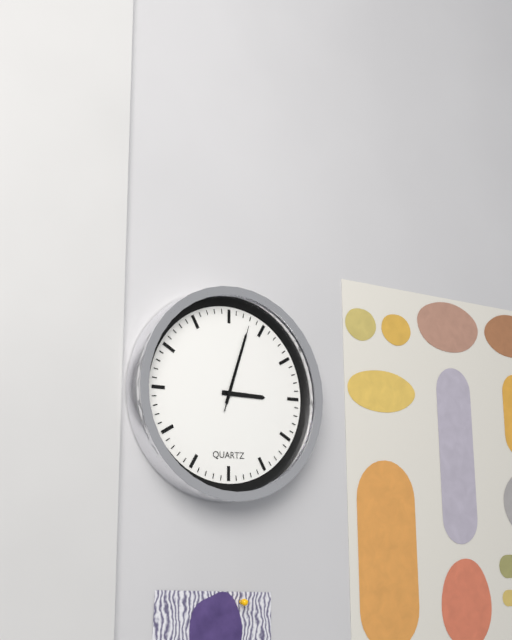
3:03:03
